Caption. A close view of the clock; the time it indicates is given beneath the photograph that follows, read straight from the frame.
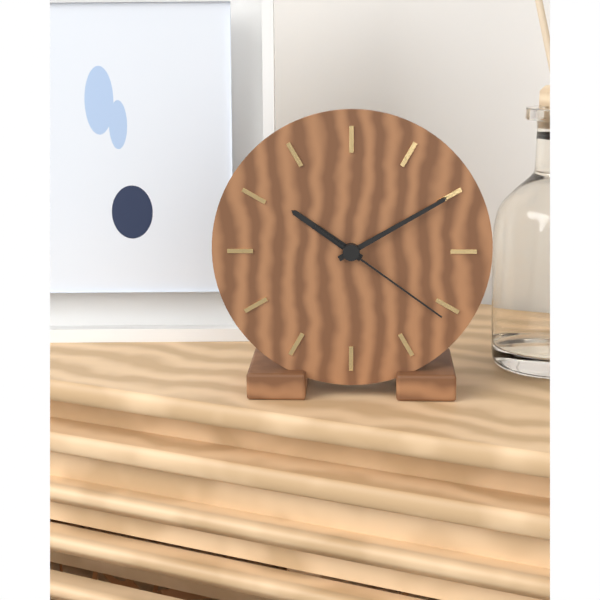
10:10:21
